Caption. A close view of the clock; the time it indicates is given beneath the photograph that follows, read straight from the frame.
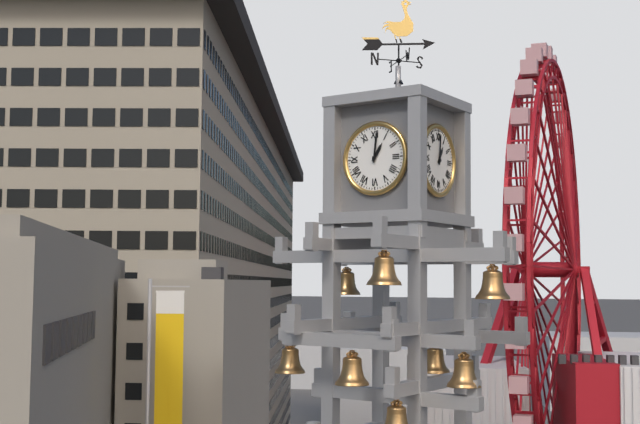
1:01
